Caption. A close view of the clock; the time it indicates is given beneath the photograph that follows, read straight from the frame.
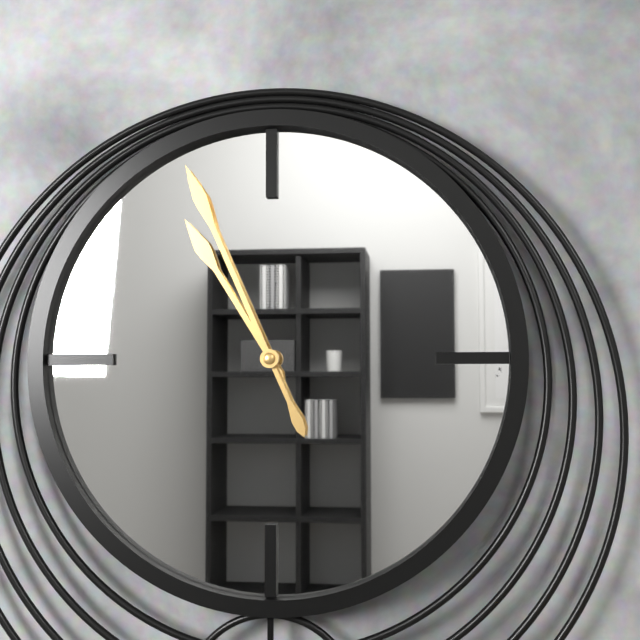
10:56
